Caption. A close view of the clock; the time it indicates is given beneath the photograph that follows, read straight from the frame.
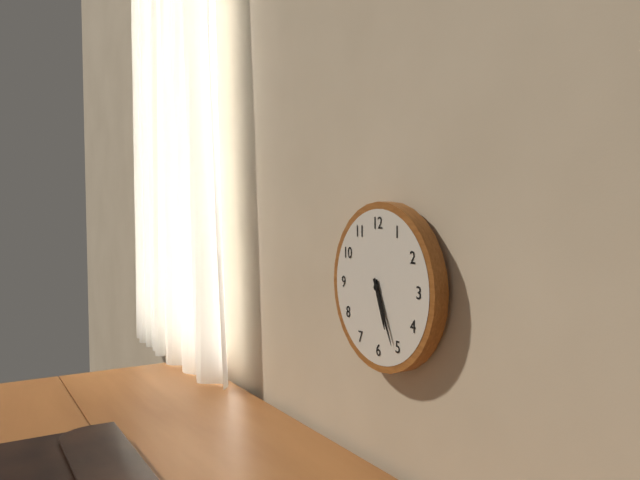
5:26
